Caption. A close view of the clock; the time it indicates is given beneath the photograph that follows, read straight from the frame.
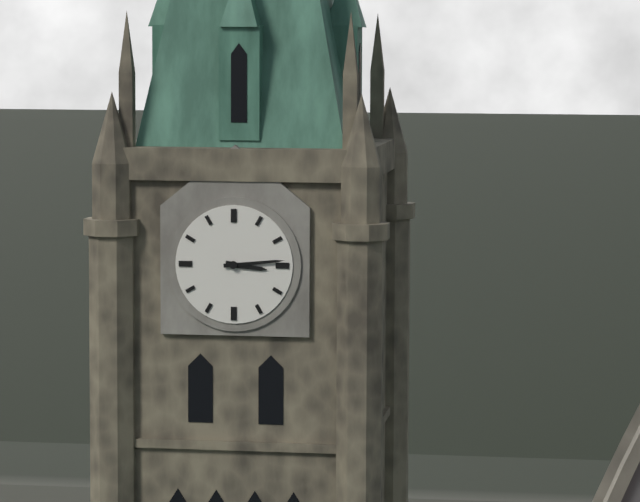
3:14
